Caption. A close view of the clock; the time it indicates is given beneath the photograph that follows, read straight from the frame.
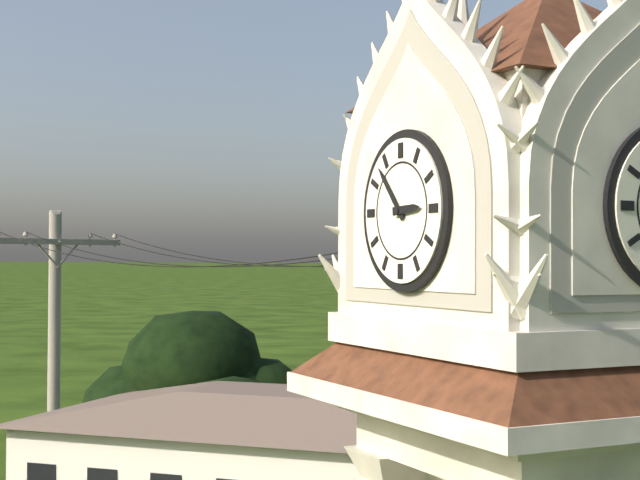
2:53
